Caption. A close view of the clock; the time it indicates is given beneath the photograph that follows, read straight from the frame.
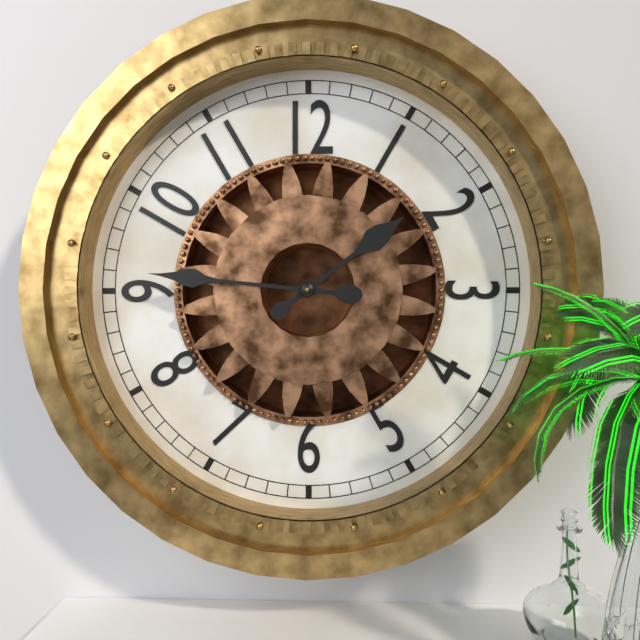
1:46
